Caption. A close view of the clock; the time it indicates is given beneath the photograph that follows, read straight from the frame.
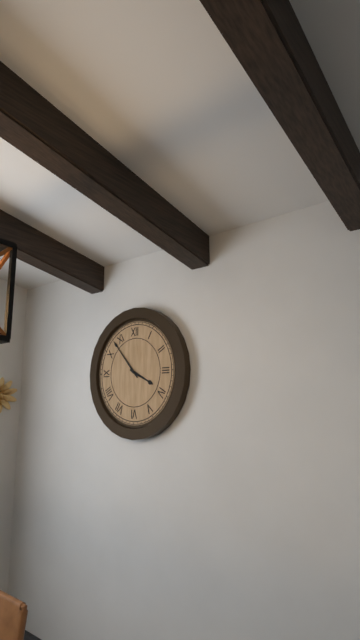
3:53
